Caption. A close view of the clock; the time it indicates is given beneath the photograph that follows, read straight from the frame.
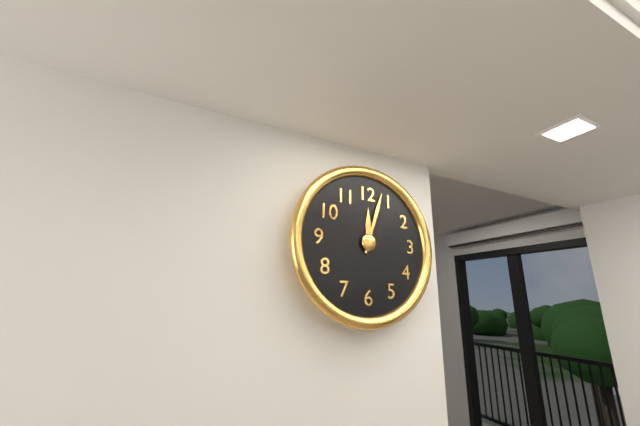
12:03
